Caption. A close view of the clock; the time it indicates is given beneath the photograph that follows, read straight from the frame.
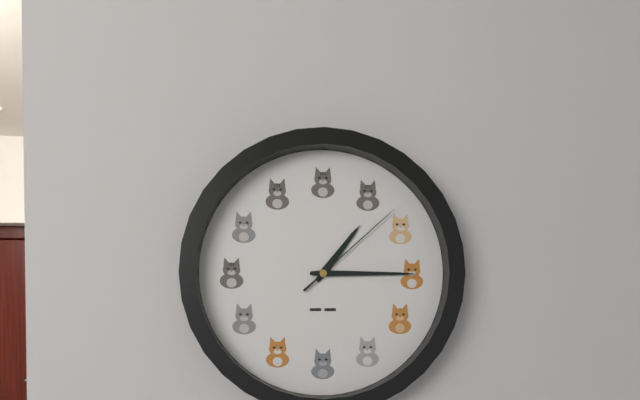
1:15:08
